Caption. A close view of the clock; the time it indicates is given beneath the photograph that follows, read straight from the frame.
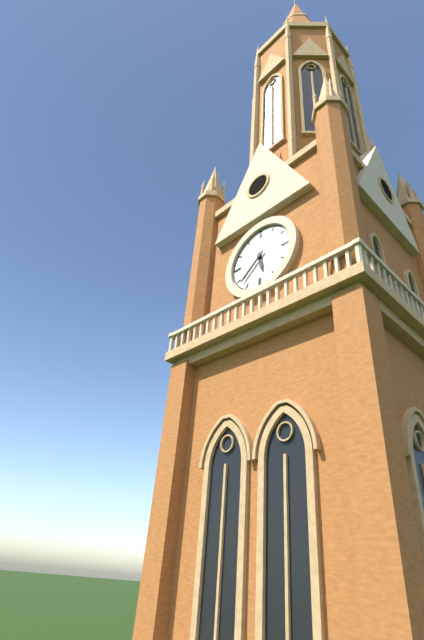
5:38
